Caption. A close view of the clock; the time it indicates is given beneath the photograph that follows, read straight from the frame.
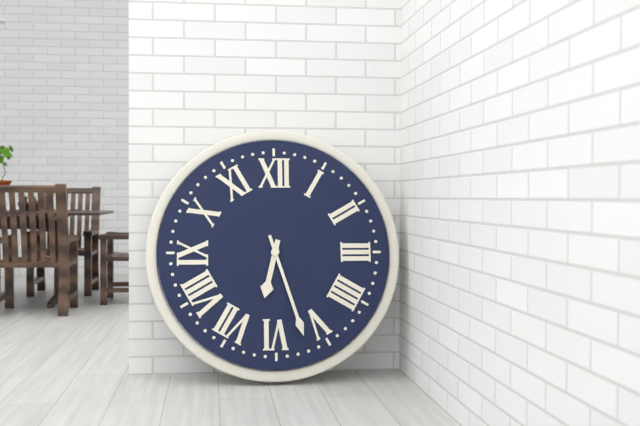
6:27
